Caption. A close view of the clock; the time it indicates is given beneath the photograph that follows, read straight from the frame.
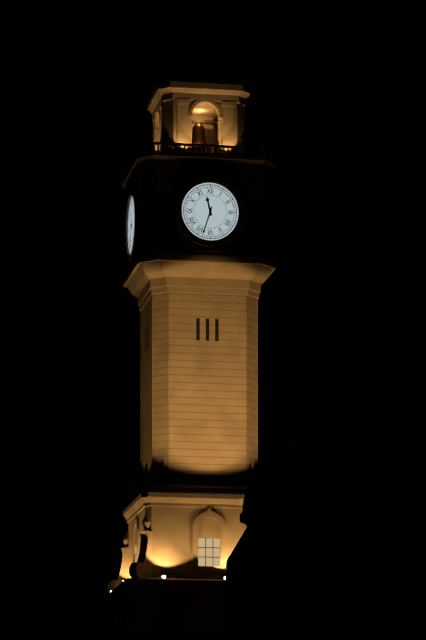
11:33
